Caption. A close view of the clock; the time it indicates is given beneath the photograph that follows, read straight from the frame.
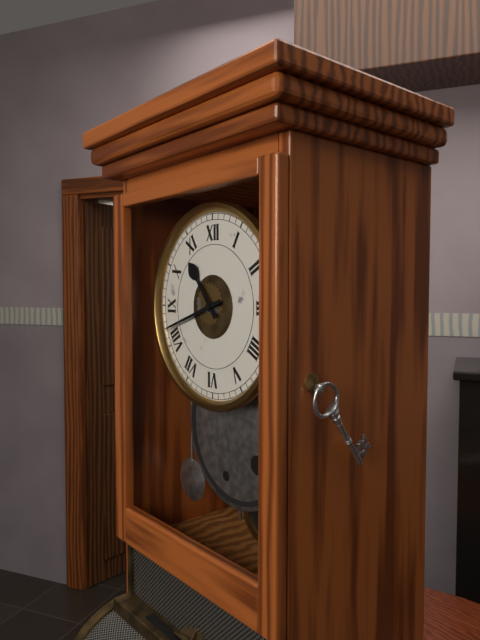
10:42
